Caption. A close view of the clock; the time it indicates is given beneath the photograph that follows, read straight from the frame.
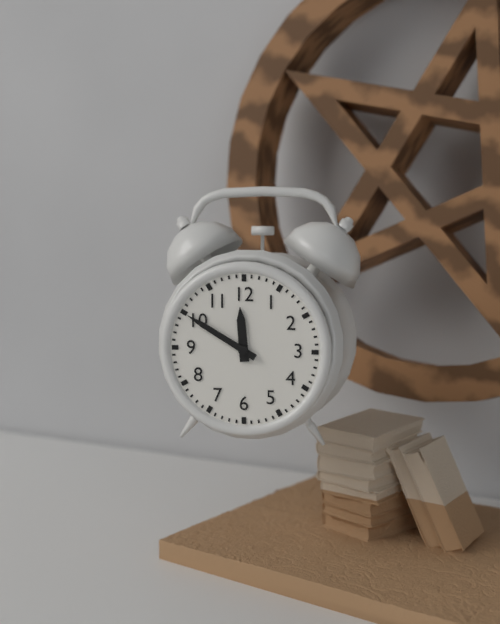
11:50
